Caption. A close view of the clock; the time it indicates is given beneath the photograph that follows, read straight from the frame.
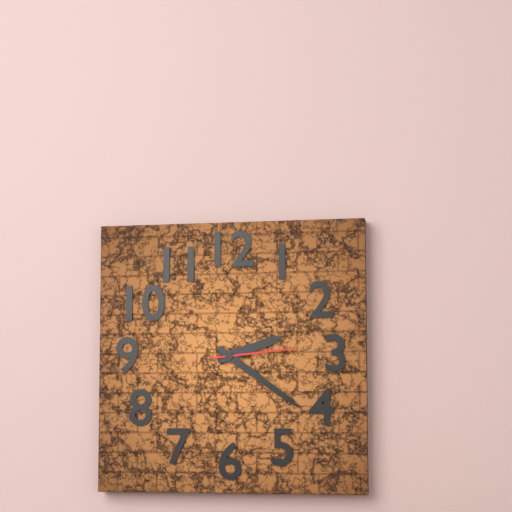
2:21:14
